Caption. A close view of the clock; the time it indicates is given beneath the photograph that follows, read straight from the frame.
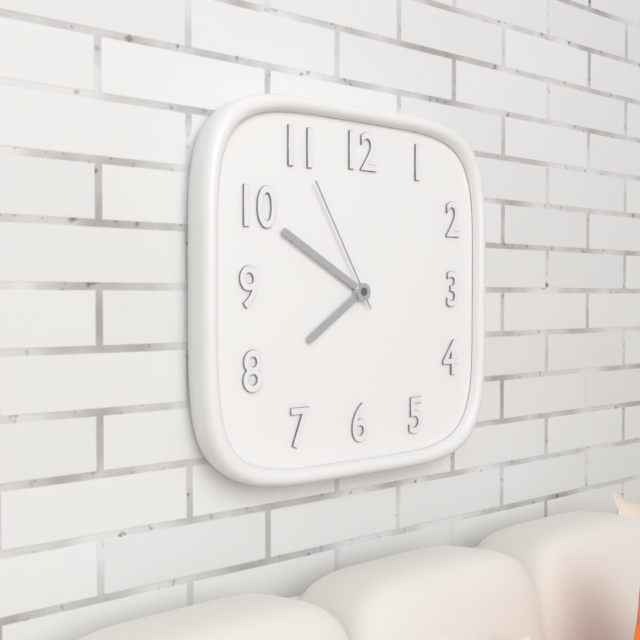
7:50:55
